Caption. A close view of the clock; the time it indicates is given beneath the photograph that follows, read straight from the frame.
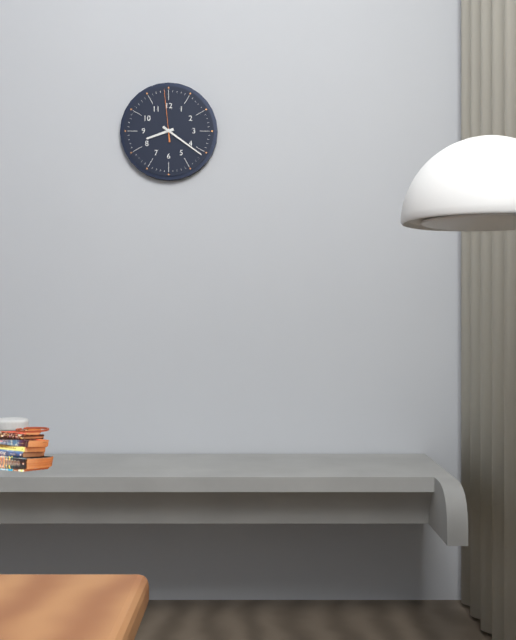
8:21:59
